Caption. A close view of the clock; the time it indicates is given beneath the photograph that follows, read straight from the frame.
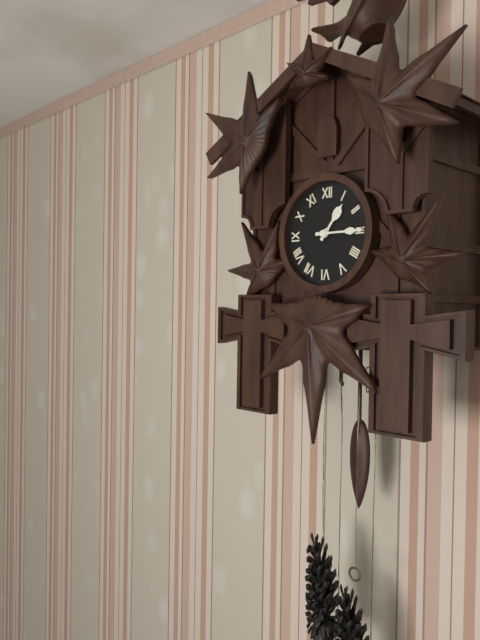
1:15
